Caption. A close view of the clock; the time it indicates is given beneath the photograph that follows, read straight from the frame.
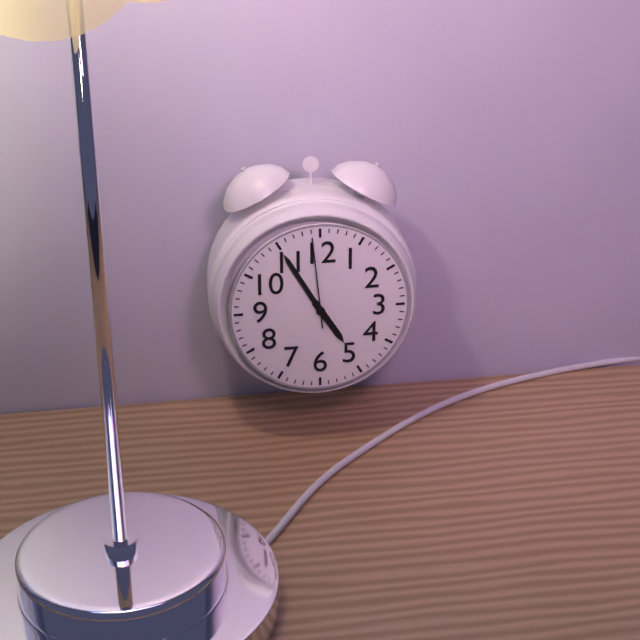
4:55:59
